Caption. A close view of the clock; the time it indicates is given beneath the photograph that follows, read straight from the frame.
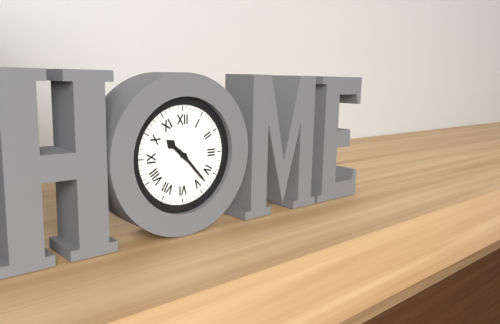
10:23
